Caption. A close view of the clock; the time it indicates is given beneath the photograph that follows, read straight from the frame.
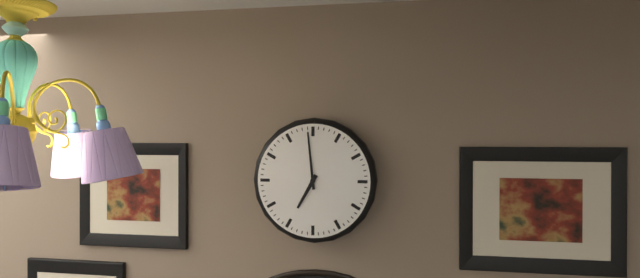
6:59
